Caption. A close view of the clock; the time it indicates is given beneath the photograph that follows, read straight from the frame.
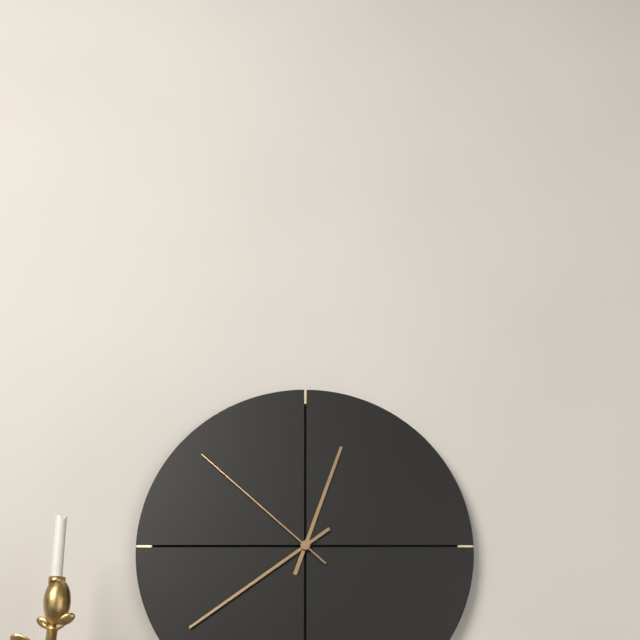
12:39:52
